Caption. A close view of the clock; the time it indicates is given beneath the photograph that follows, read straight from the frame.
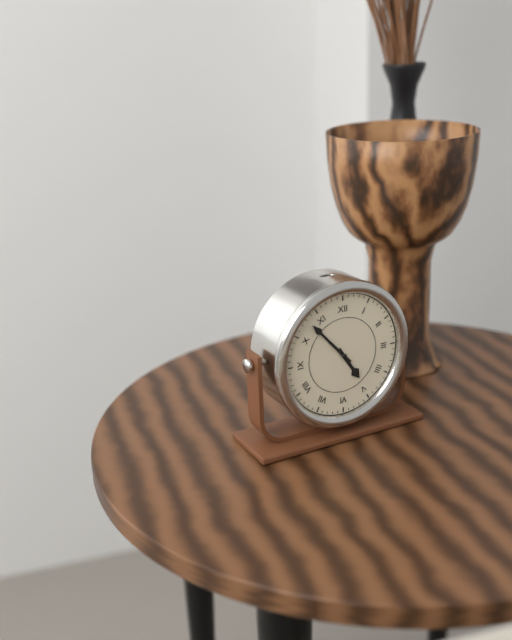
4:53
